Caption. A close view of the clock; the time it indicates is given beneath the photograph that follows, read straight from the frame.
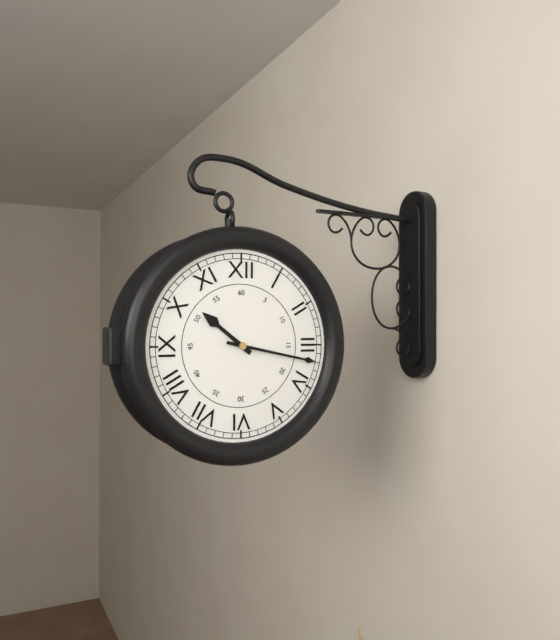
10:17
